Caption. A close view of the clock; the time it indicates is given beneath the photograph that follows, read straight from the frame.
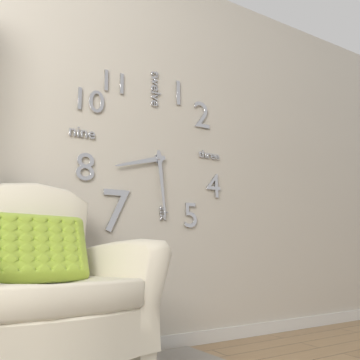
8:29
